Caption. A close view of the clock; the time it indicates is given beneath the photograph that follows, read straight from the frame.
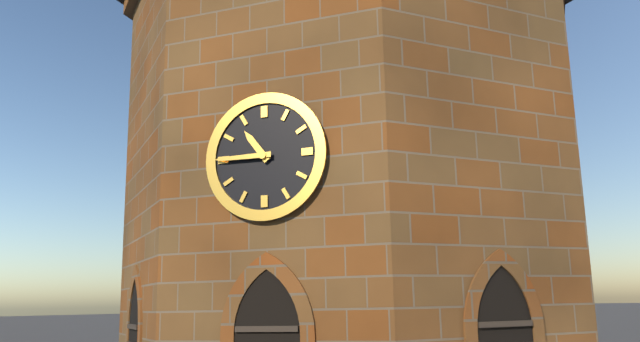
10:45
